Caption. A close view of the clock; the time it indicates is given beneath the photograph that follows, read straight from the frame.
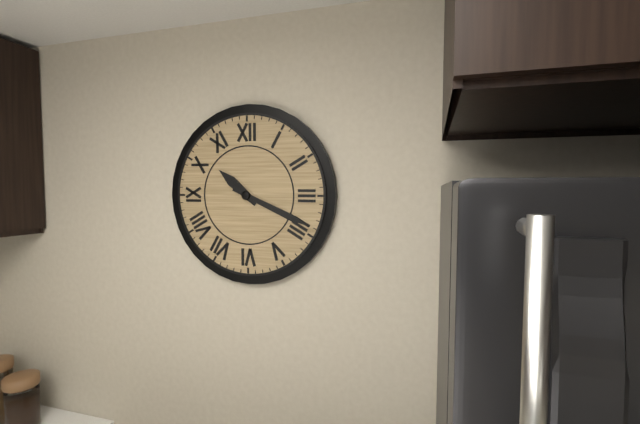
10:19
